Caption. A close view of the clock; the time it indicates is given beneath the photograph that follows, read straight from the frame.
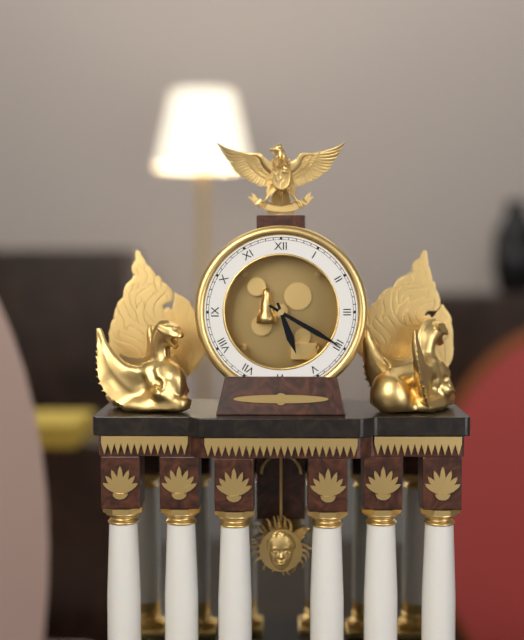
5:20
